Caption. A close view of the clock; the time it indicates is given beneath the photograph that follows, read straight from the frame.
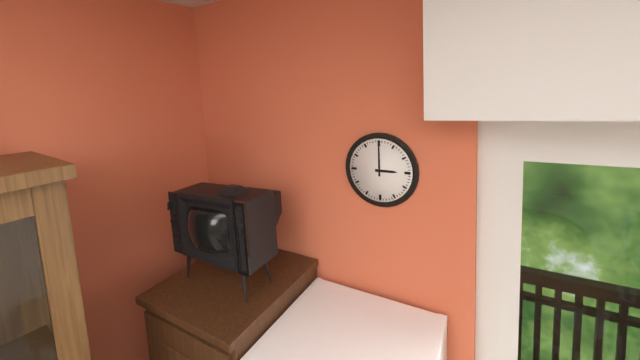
3:00
